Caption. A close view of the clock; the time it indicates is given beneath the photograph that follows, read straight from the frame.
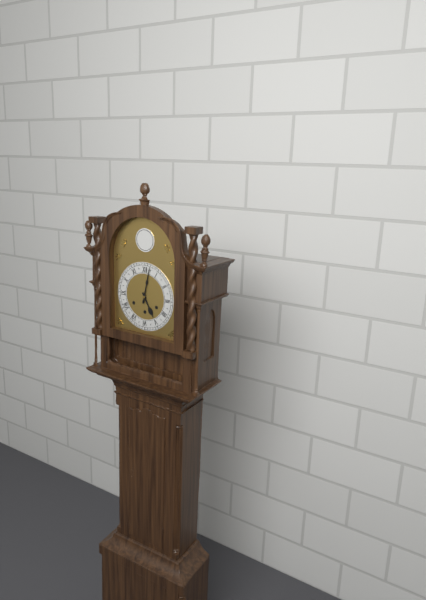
5:02
